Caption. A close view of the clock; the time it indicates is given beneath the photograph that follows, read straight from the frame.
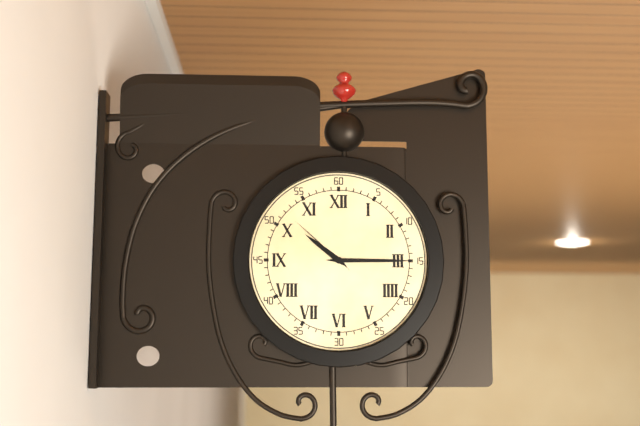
10:15:52
